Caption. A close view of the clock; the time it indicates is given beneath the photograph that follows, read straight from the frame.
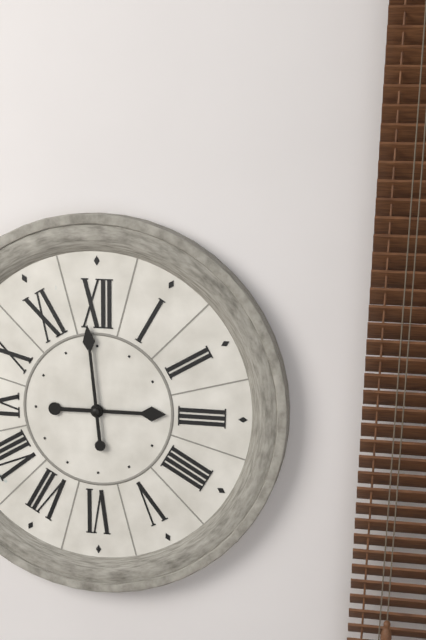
2:59
